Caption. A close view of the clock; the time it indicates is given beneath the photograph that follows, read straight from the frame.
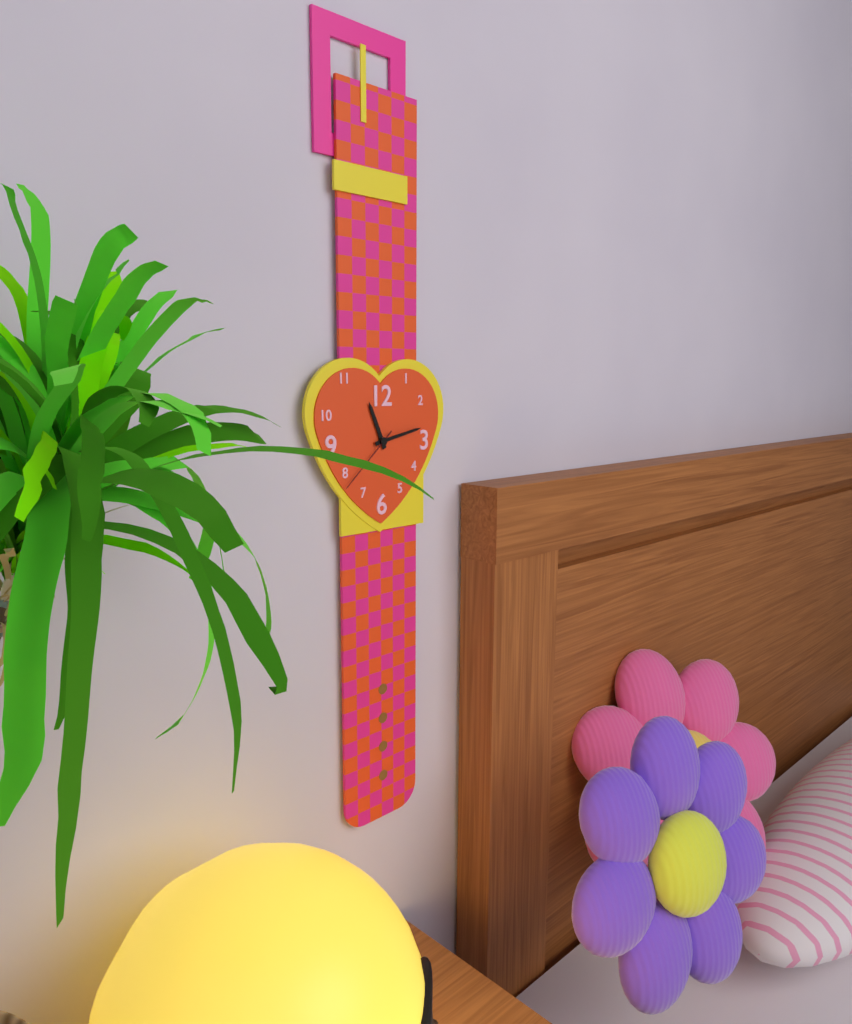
11:13:38
